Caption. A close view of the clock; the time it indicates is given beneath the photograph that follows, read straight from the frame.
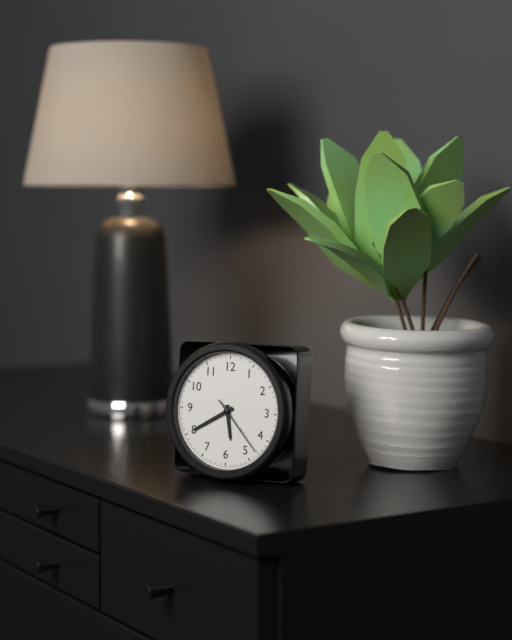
5:40:23
